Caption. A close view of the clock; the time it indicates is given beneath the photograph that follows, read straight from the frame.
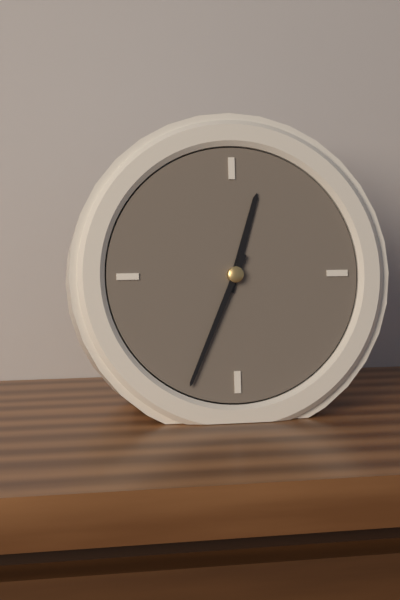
12:34
